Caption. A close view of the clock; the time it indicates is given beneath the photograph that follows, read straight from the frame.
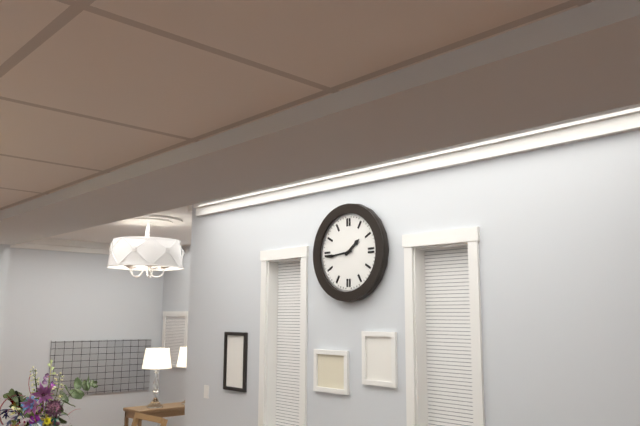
1:44
